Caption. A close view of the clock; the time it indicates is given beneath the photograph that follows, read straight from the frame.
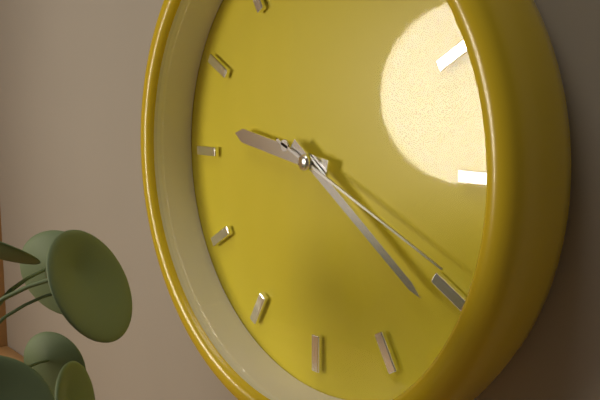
9:21:19
